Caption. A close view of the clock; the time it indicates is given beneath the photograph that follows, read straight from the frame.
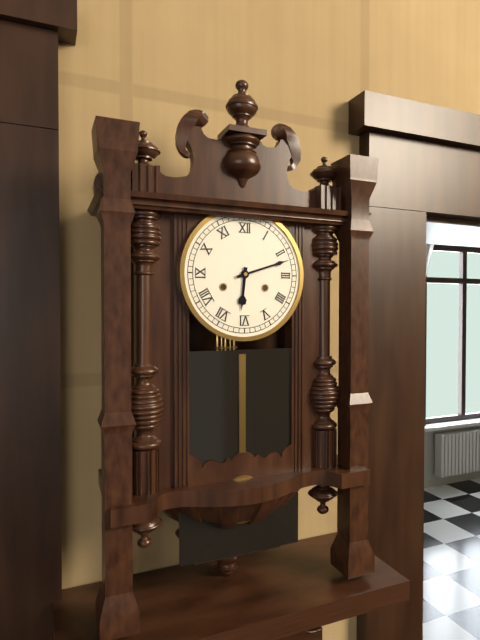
6:12
